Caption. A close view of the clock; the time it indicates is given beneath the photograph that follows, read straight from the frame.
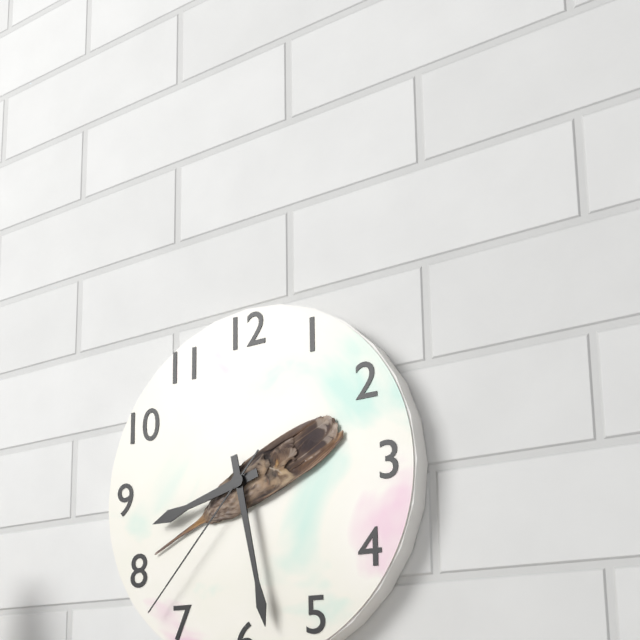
8:28:37
